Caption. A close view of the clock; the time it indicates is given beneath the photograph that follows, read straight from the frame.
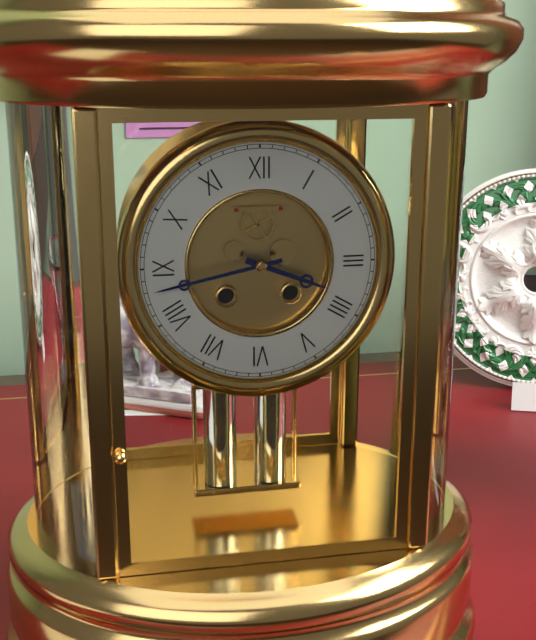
3:43
